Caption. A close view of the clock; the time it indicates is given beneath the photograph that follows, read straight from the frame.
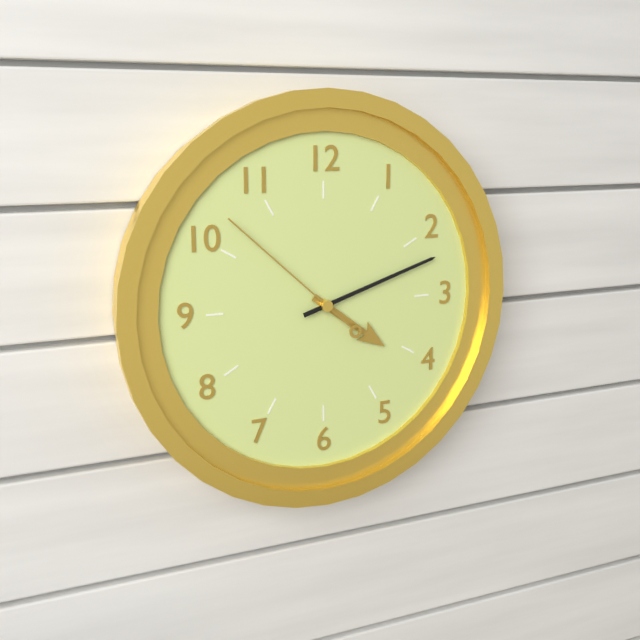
4:12:52
